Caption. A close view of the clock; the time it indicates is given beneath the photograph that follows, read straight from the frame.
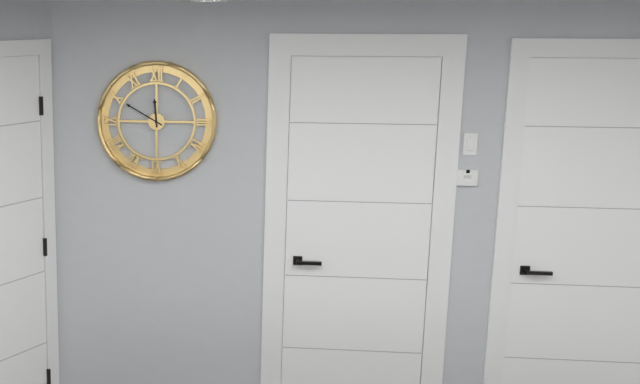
11:50
